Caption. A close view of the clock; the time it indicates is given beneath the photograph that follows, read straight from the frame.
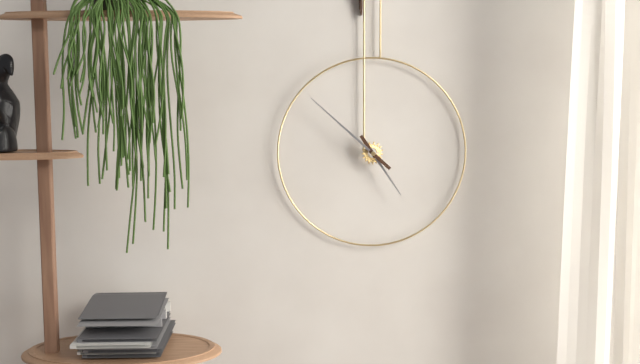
4:52
